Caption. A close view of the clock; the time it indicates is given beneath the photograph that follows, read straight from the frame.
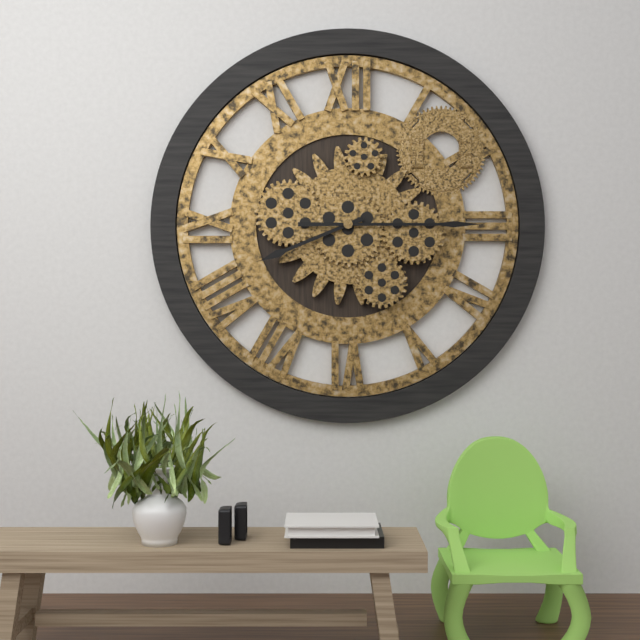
8:15
